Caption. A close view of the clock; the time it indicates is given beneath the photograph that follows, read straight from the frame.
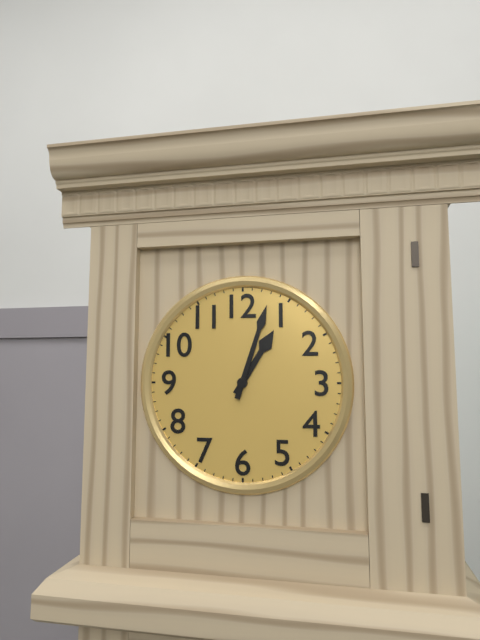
1:03
